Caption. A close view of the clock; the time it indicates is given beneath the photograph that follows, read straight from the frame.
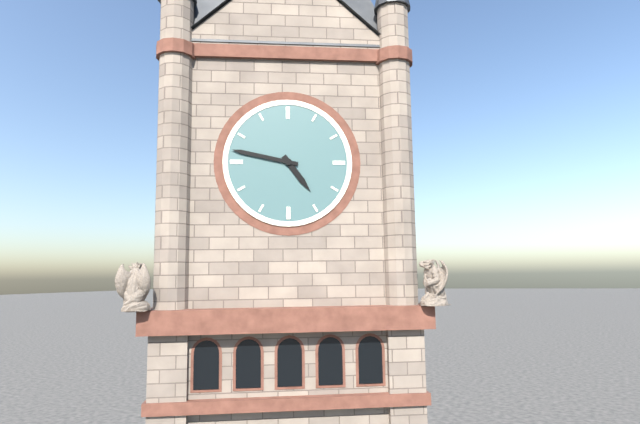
4:47
